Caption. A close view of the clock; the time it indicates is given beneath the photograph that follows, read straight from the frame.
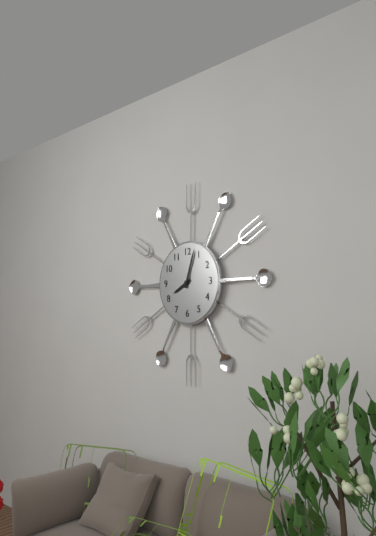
8:03
